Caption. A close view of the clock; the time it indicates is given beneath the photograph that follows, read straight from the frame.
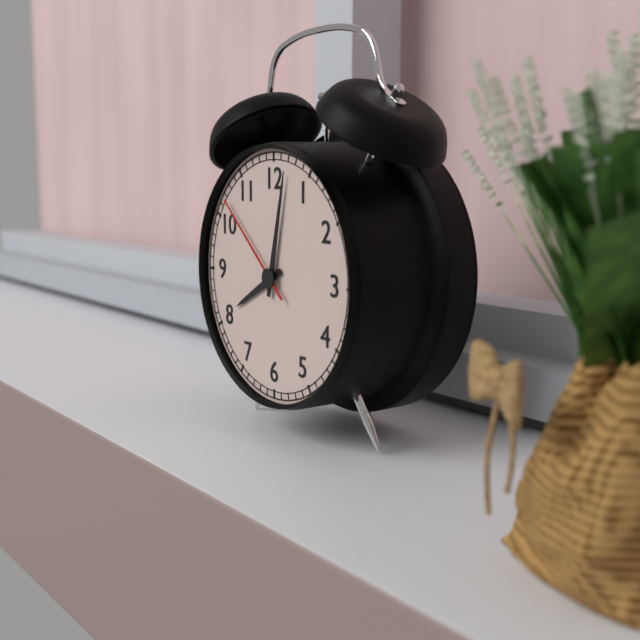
8:02:52
